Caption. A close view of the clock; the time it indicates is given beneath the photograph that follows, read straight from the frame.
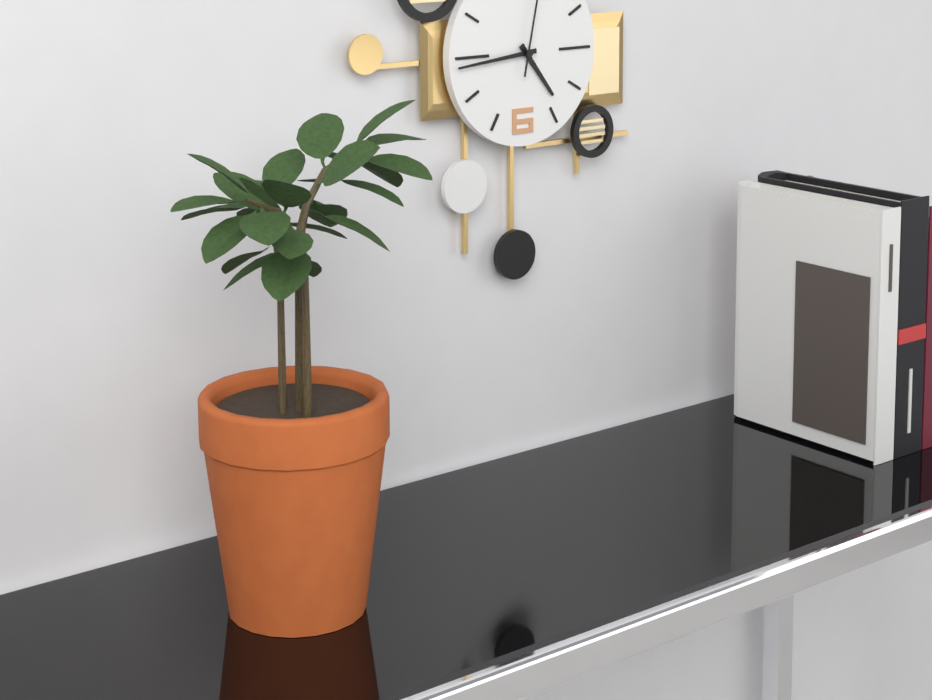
4:44
